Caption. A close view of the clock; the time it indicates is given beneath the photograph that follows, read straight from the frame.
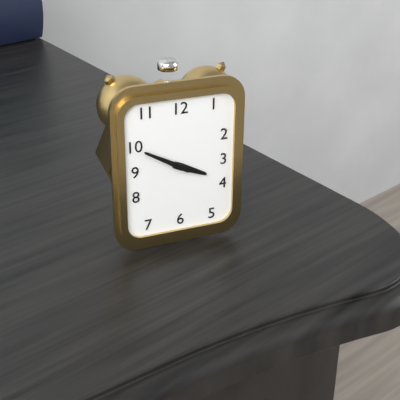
3:50
